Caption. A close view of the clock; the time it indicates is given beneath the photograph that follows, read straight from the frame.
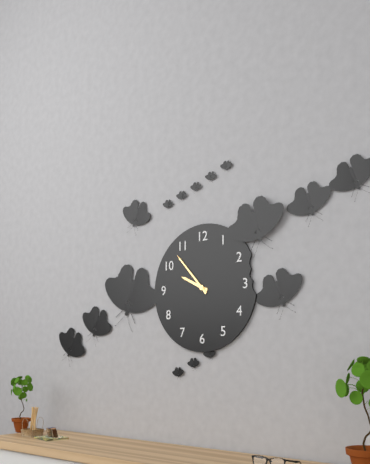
9:53
